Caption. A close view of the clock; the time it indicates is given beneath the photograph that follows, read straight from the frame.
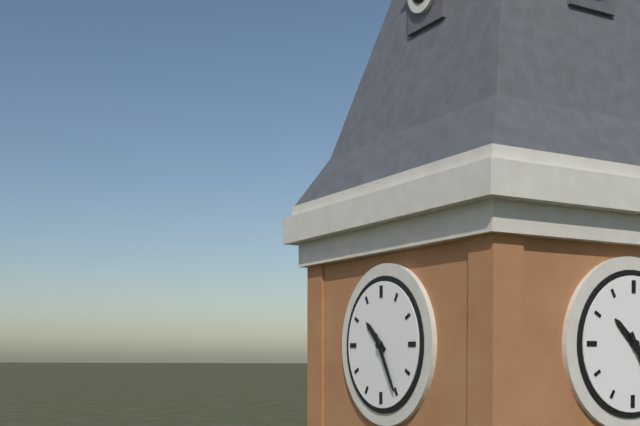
10:25
